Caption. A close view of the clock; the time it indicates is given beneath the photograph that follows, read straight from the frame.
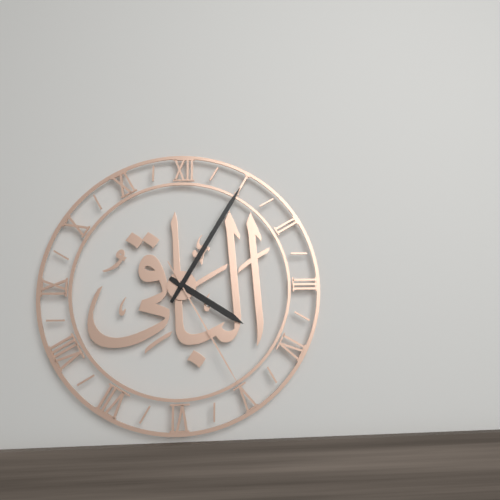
4:05:25
